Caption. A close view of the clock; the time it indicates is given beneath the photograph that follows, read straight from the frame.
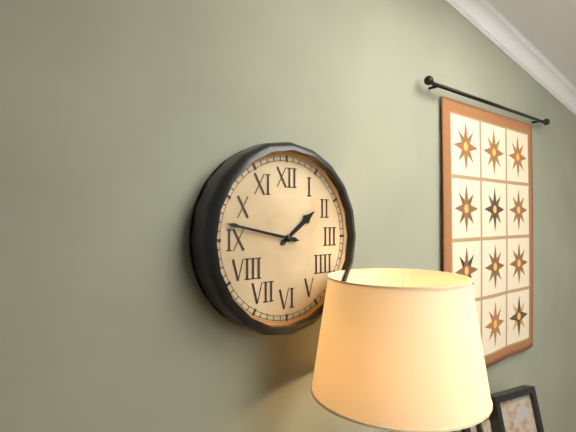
1:47
